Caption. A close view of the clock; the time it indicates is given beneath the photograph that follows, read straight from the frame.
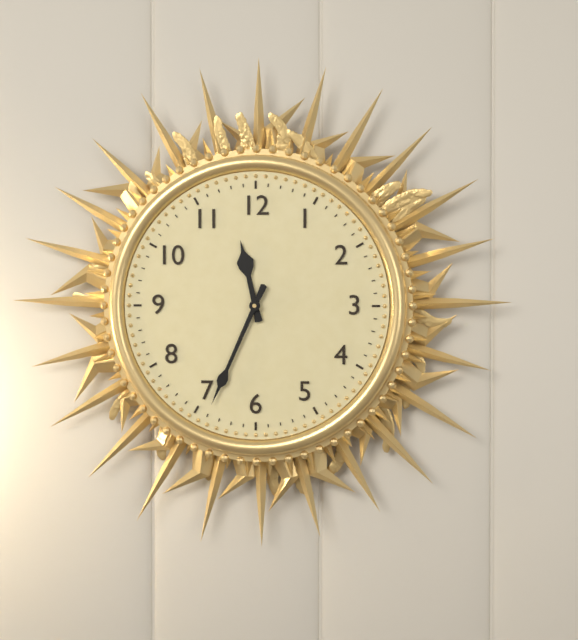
11:34
